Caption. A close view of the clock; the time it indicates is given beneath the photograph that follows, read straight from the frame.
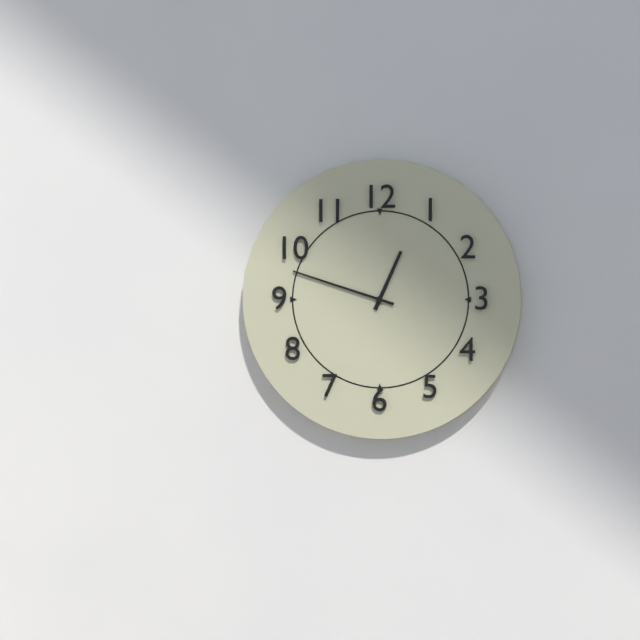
12:48
